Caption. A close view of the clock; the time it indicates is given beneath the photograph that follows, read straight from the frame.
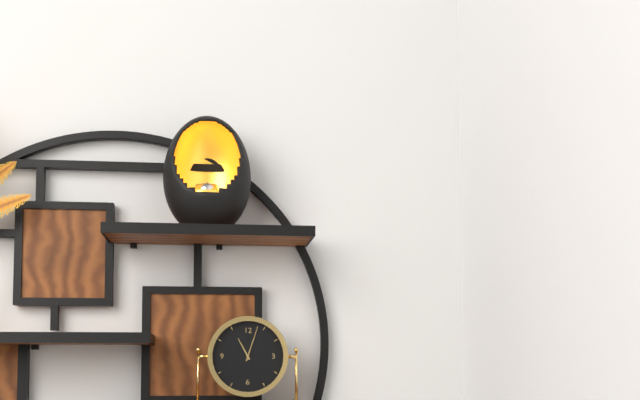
11:03
